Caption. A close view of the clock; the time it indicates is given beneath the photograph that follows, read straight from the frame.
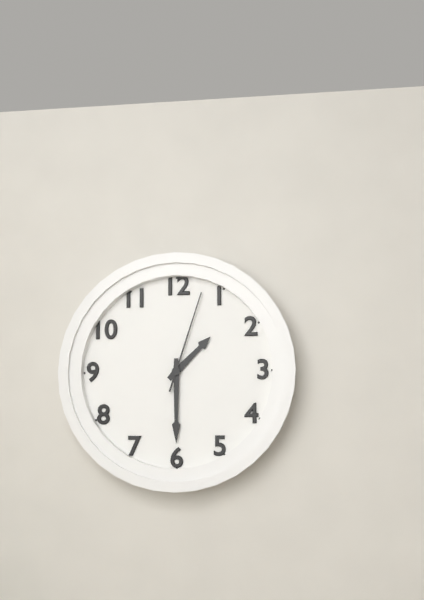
1:30:03
